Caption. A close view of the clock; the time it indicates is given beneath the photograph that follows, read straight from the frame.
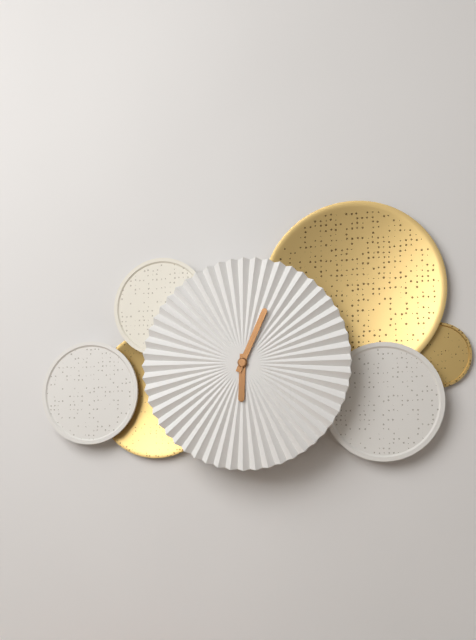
6:04
